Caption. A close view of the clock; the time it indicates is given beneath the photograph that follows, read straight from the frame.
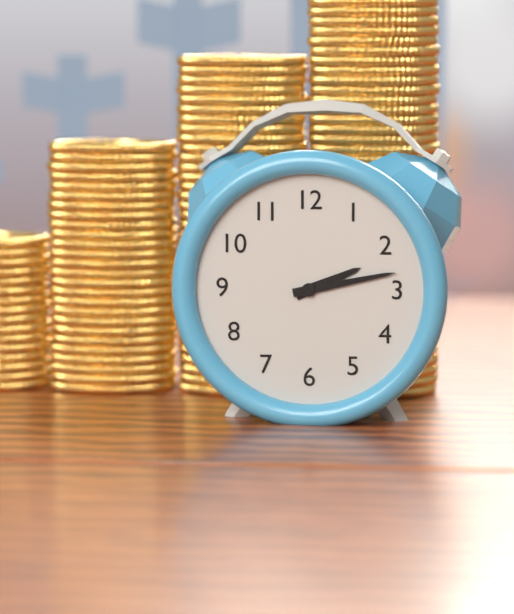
2:13
